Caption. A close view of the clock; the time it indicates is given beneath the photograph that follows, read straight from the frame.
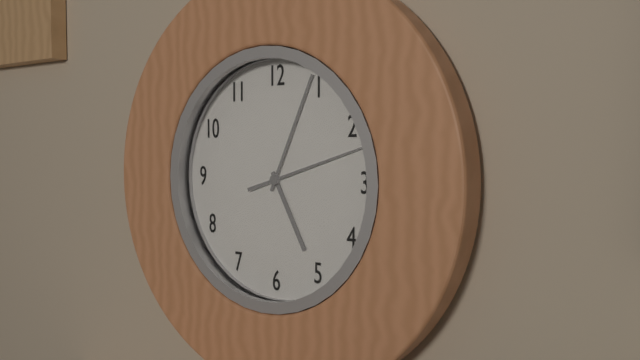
5:04:12
